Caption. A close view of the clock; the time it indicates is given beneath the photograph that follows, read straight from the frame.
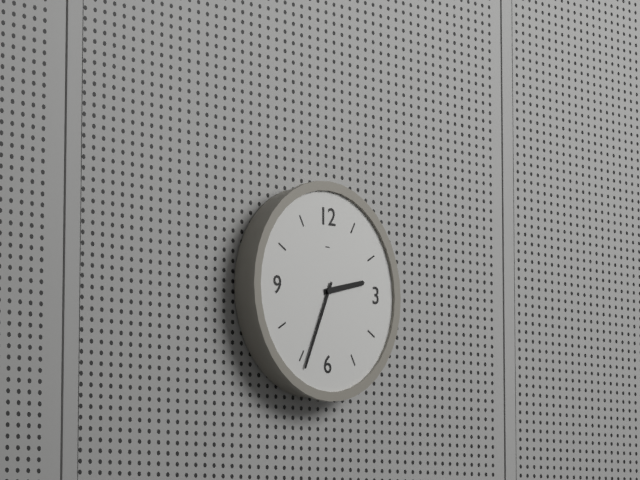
2:34
